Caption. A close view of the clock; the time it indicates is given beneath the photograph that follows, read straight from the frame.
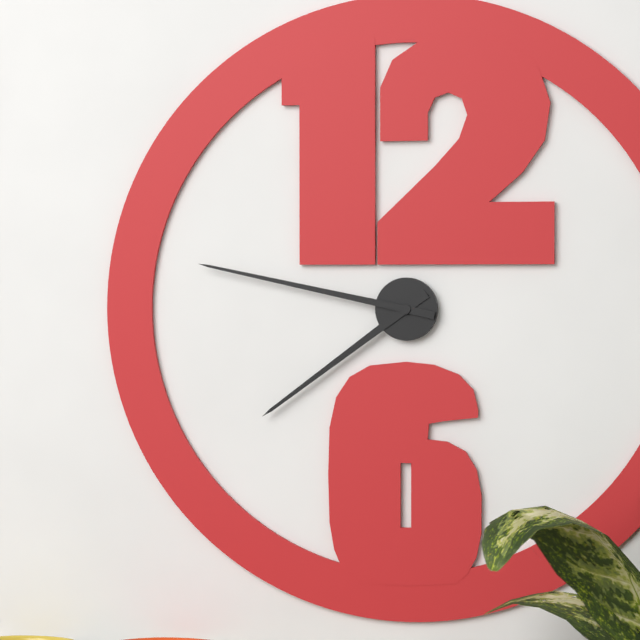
7:47
